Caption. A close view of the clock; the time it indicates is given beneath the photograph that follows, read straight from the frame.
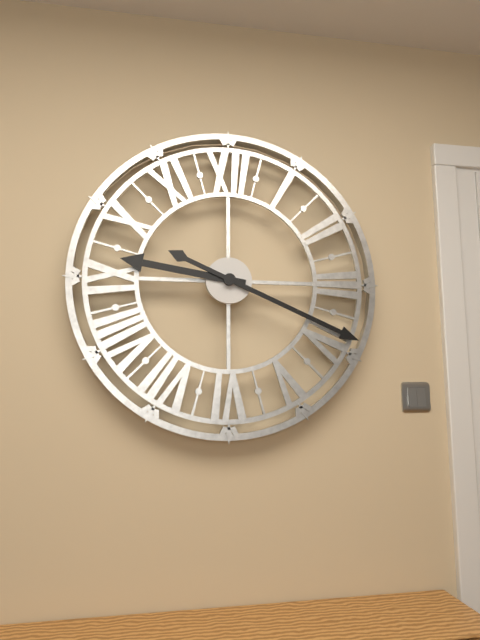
9:19
